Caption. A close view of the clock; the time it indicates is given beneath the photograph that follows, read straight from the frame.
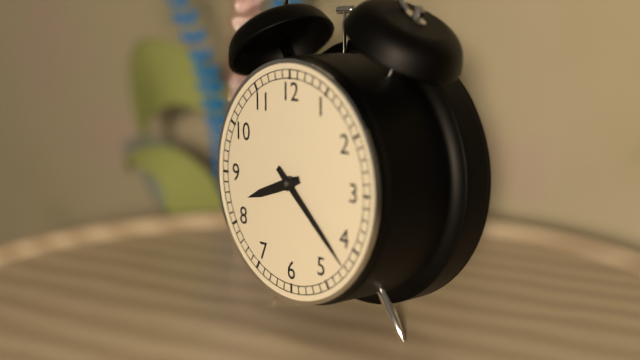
8:22
